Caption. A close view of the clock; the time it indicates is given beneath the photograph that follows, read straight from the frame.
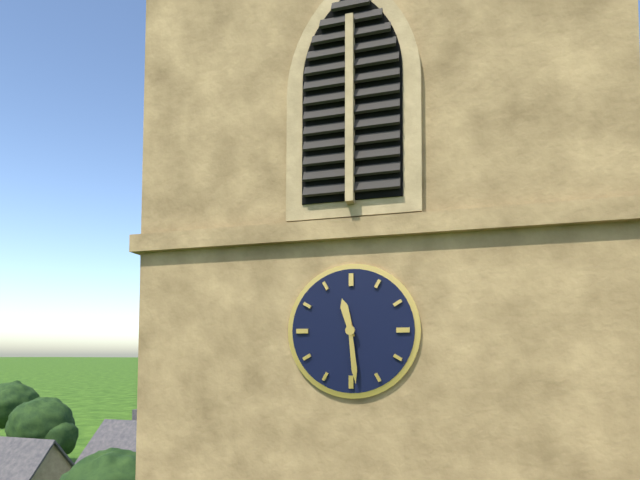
11:29
